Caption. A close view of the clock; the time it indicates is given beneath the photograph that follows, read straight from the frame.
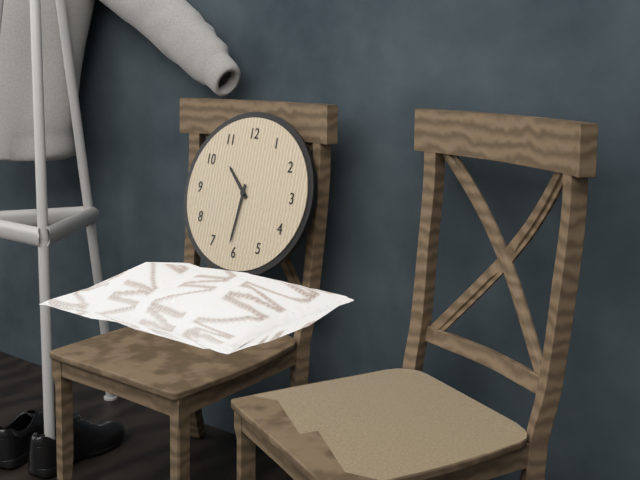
10:31
